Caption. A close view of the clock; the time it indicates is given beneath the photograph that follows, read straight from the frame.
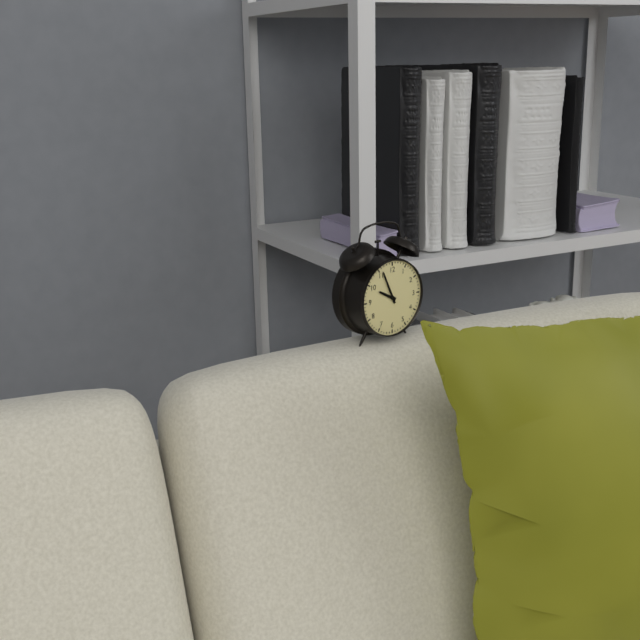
9:56
